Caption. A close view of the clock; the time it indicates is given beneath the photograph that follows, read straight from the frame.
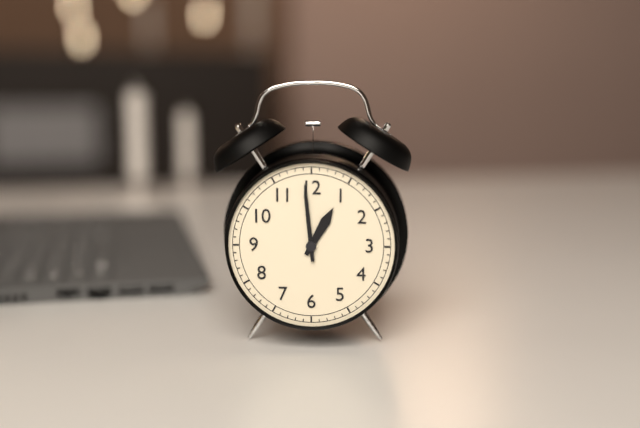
12:59
